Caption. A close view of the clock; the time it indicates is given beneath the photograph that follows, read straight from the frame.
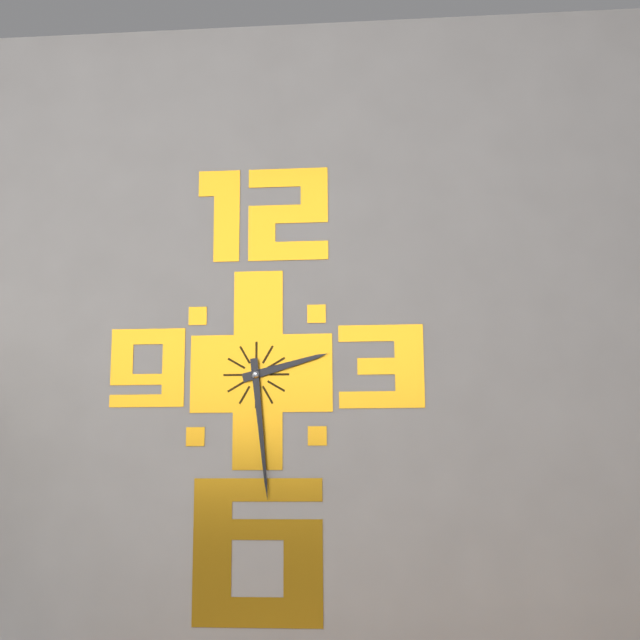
2:29
